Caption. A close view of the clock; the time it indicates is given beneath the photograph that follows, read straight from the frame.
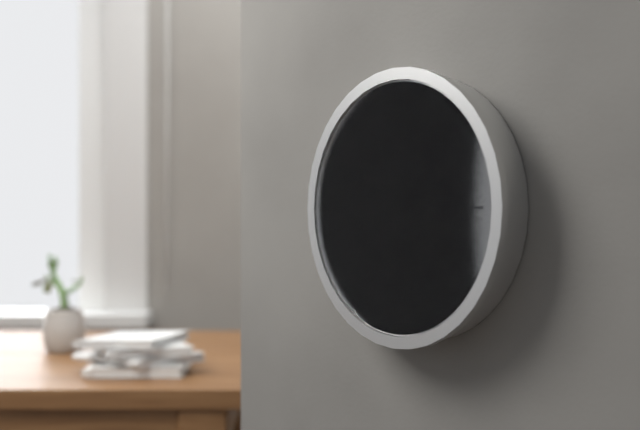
1:08
